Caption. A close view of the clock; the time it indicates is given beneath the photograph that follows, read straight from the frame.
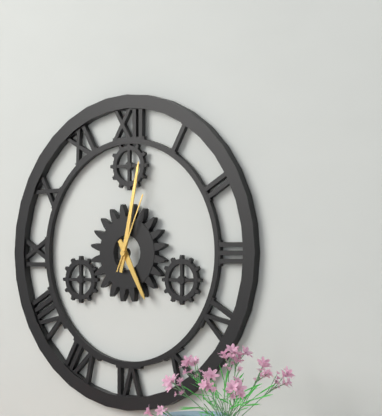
5:02:04
